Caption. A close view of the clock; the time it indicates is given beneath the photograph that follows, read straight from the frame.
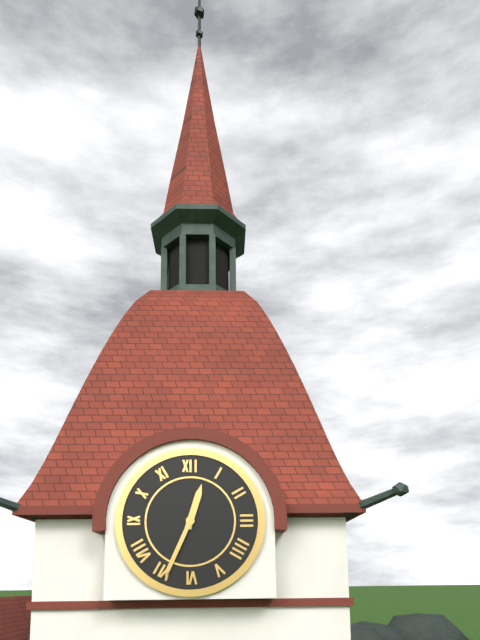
12:34
